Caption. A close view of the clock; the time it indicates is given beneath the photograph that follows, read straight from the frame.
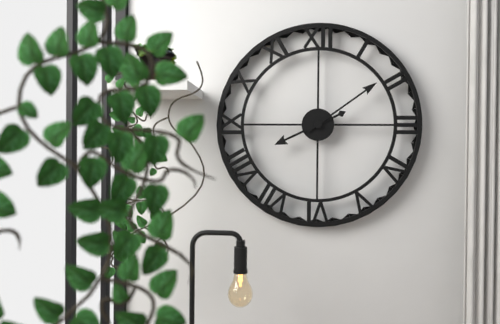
8:09
